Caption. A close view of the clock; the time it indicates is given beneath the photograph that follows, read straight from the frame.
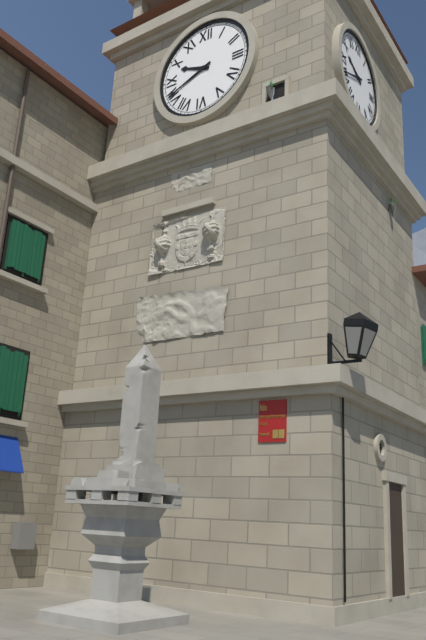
9:41
